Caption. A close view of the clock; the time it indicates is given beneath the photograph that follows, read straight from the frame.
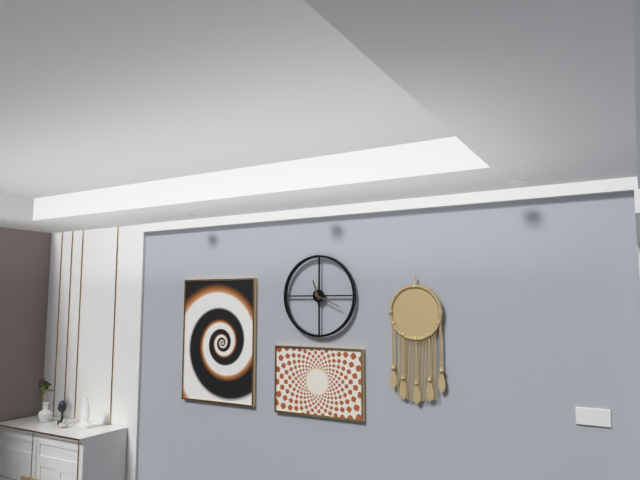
11:19
